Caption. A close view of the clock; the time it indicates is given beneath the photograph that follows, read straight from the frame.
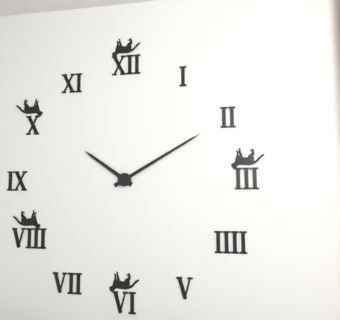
10:10
